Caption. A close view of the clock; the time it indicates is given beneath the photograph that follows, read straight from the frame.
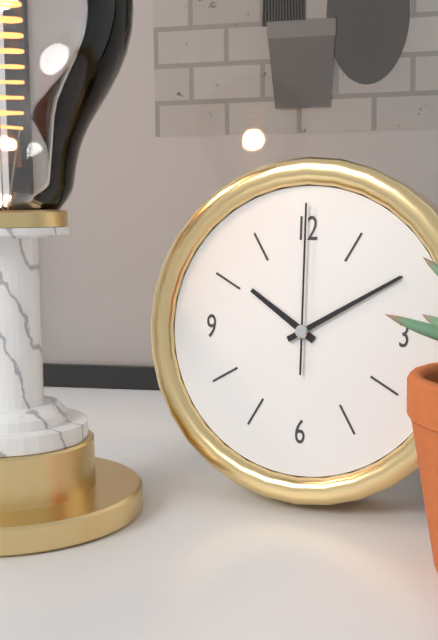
10:10:00
